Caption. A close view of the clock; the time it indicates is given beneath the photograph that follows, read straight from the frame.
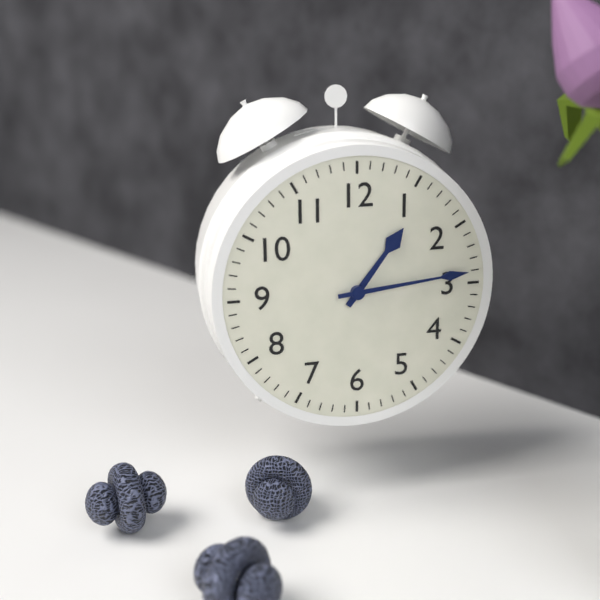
1:14
